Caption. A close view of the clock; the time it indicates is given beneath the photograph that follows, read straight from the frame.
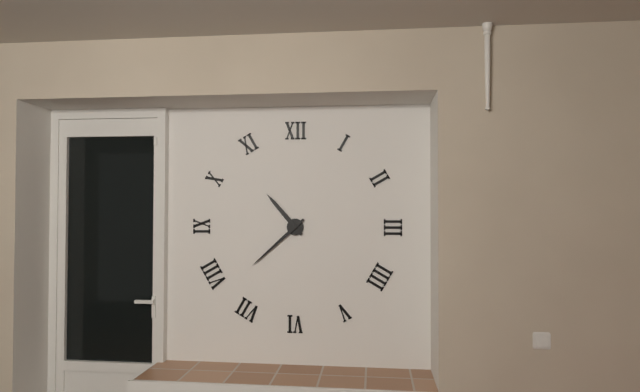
10:38
